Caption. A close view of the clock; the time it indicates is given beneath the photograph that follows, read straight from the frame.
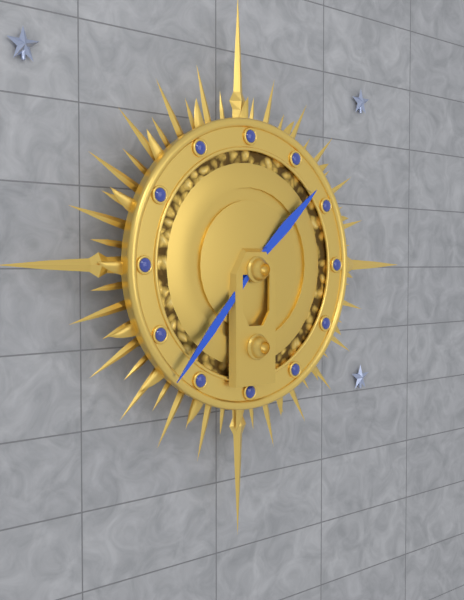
1:37
